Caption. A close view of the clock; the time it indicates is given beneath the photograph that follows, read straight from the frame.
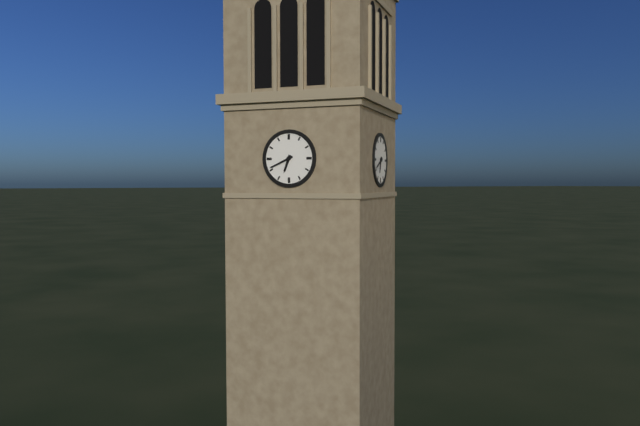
6:41
